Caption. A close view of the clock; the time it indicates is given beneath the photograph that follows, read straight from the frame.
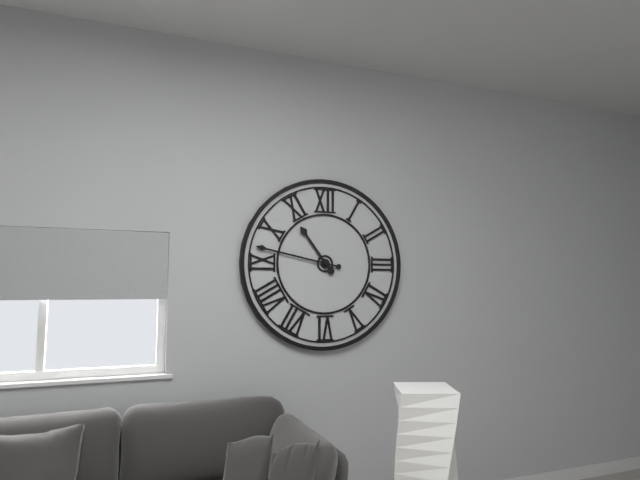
10:47
